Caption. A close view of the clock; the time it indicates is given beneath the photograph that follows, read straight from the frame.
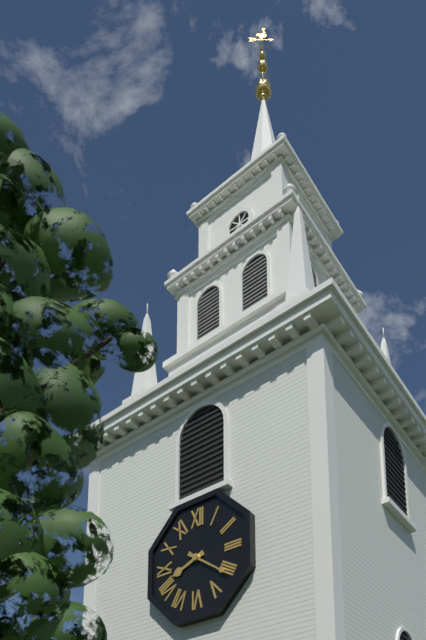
8:21
